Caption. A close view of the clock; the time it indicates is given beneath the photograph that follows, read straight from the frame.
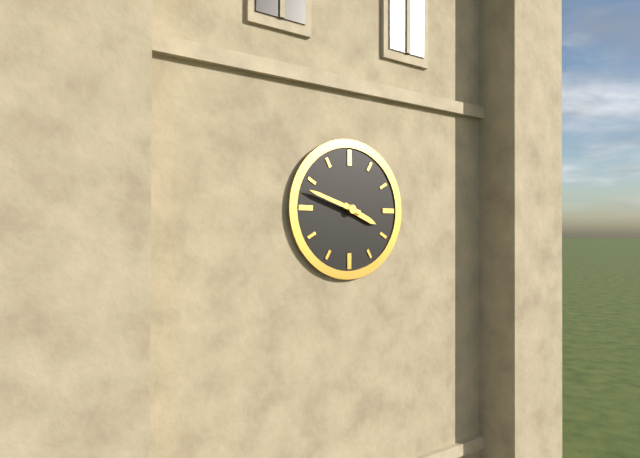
3:48
